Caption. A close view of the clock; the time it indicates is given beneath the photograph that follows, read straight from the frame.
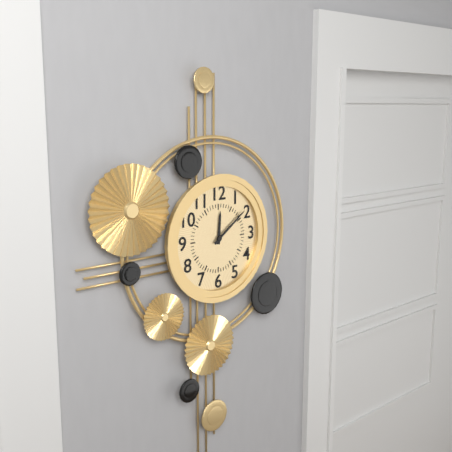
12:09
